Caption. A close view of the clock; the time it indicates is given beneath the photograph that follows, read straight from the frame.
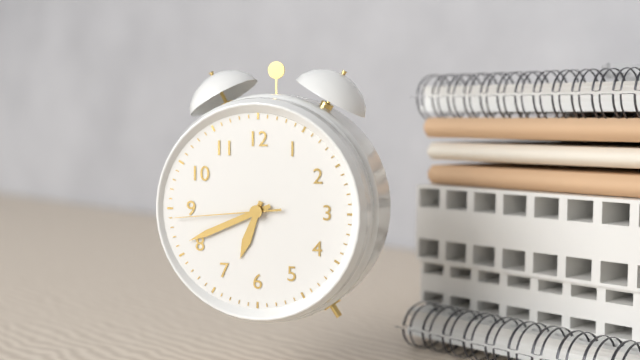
6:41:44
